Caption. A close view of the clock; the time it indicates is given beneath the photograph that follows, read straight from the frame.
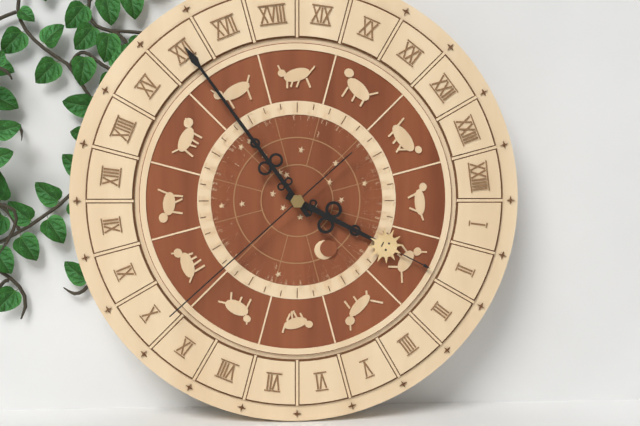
3:54:38
